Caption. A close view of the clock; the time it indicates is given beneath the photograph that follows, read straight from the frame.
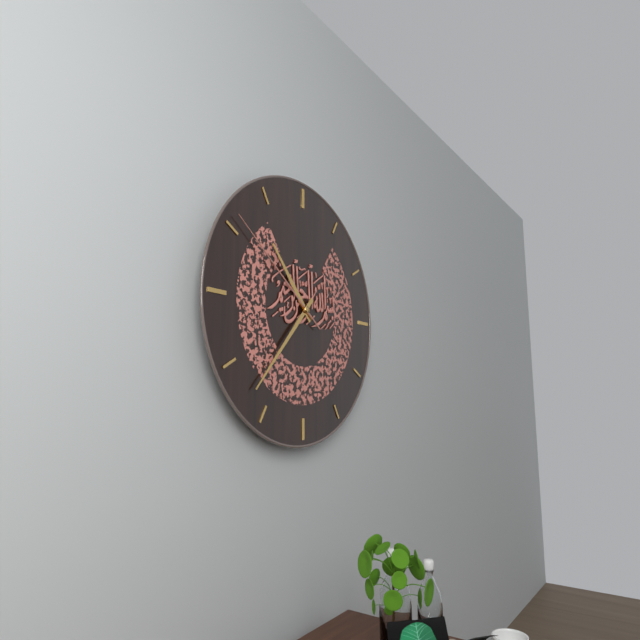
10:37:51
